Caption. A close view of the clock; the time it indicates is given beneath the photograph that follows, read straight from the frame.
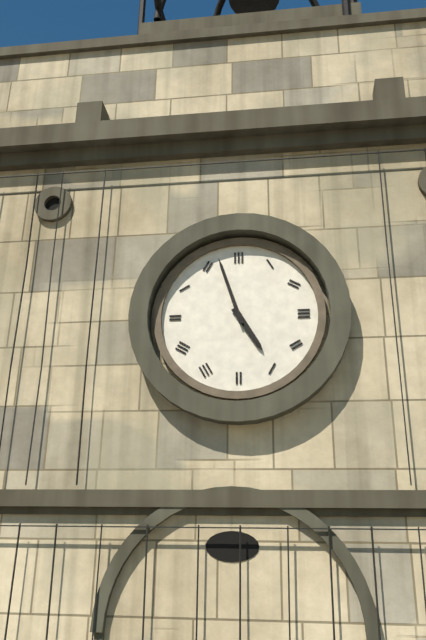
4:57
